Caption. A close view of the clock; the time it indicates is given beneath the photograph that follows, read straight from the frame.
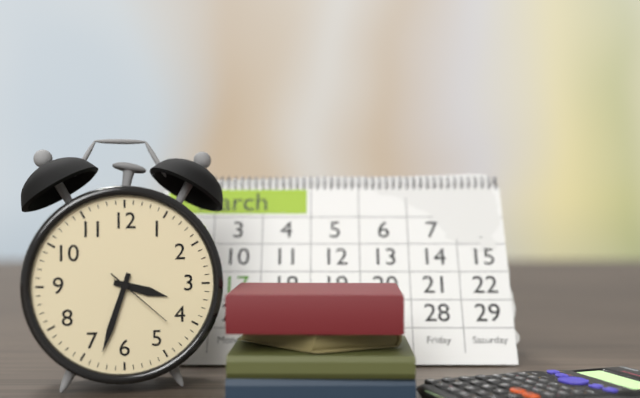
3:33:22
